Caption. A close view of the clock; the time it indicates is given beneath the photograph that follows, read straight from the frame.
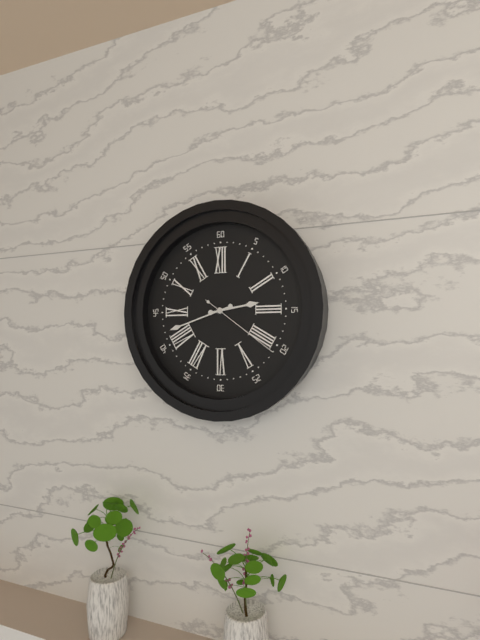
2:42:21
